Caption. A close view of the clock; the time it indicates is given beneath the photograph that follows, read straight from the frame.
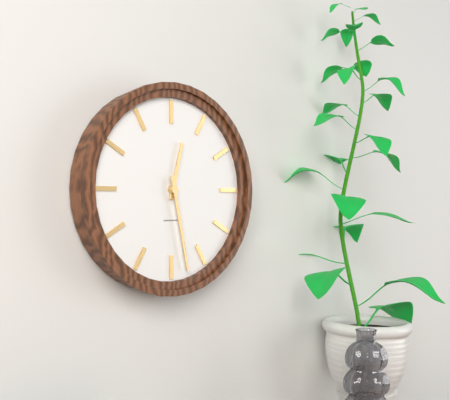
12:28
